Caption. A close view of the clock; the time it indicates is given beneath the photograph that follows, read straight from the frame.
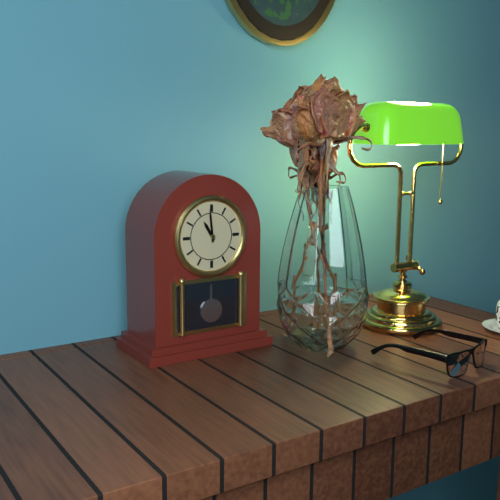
10:59
